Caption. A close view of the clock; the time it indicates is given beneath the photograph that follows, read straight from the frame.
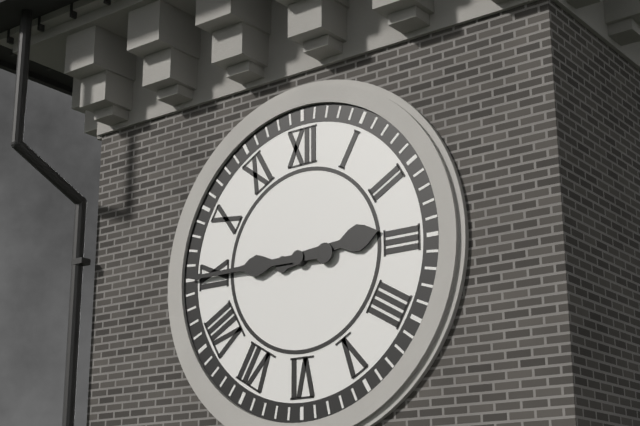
2:45
